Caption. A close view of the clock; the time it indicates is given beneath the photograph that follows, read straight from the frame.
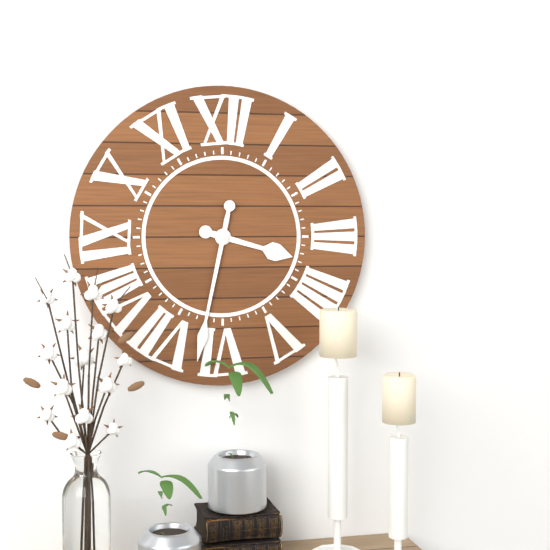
3:32
